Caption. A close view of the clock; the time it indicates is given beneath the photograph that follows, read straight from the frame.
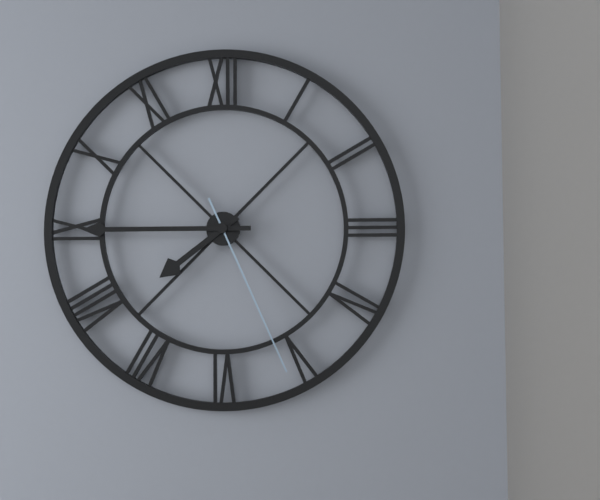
7:45:26
